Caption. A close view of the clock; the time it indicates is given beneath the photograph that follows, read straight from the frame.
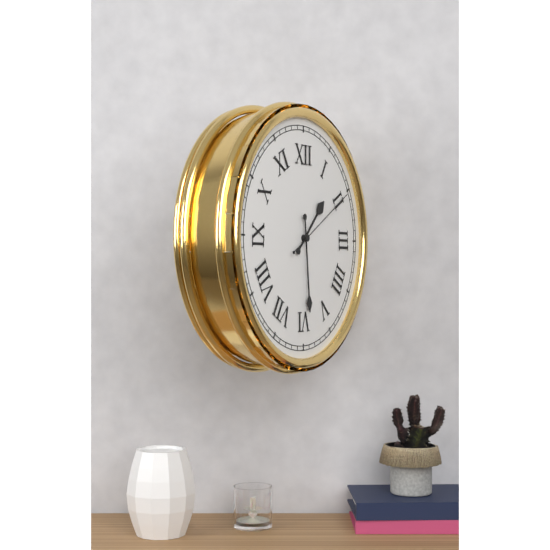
1:29:10
